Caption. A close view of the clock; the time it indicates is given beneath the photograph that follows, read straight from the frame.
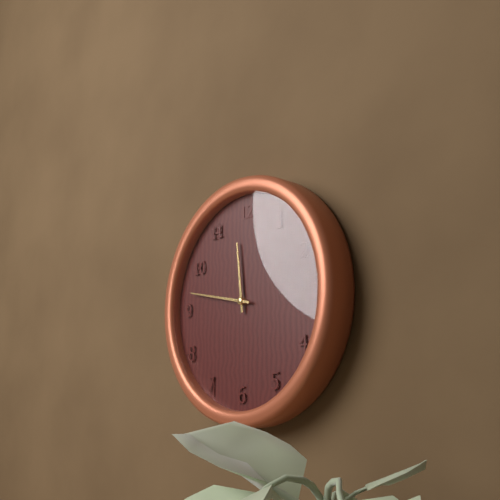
11:47
